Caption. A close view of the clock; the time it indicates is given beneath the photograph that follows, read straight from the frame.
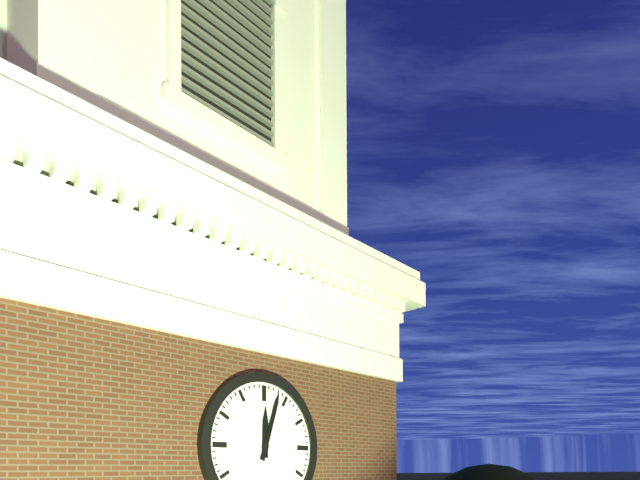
12:03
